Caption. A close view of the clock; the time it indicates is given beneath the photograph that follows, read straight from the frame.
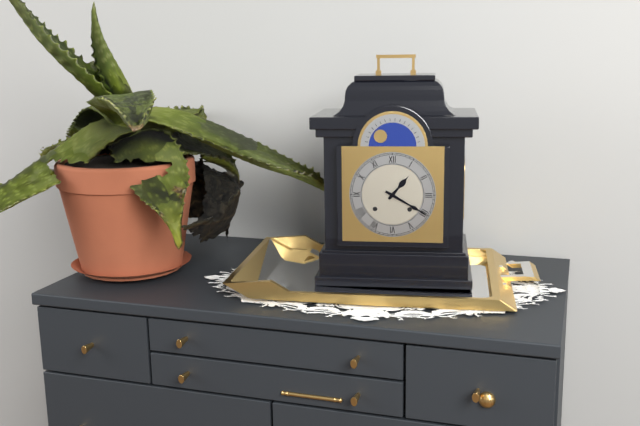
1:20
